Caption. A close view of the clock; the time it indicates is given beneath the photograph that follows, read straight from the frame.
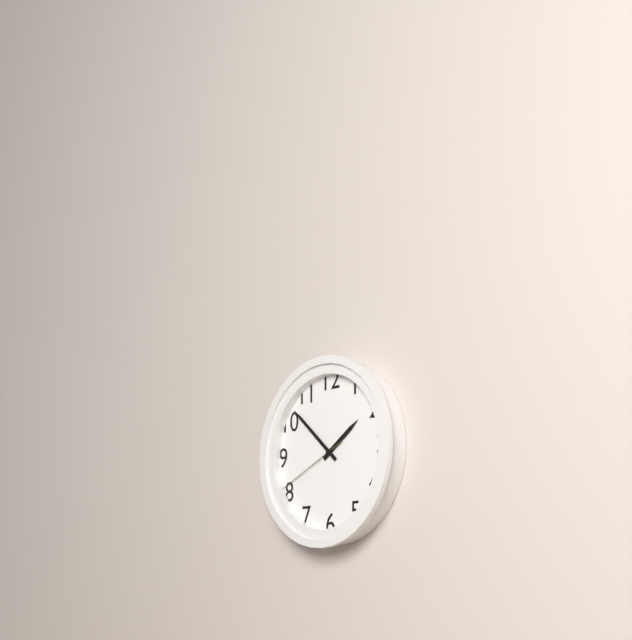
1:52:41
